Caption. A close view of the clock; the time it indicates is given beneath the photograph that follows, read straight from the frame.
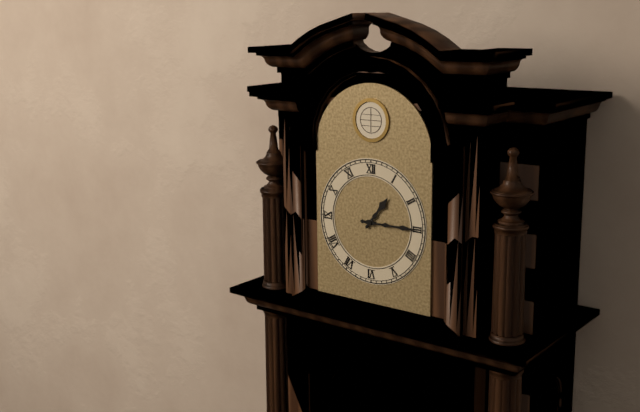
1:15
